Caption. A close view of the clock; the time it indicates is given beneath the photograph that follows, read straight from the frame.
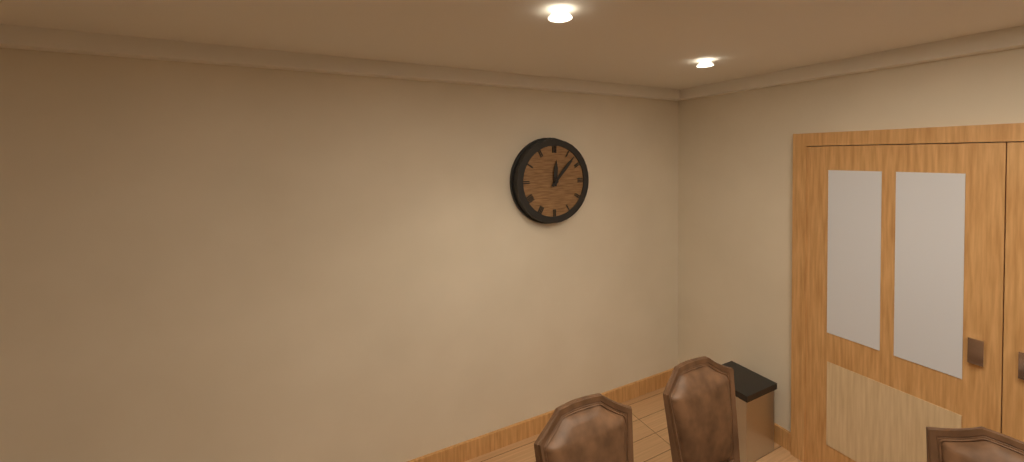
12:07
